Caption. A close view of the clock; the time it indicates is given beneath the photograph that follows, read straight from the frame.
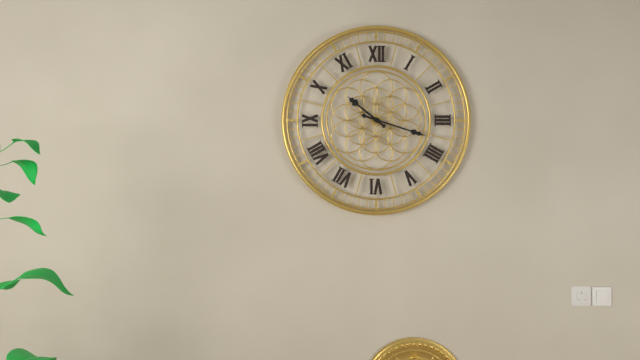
10:18
